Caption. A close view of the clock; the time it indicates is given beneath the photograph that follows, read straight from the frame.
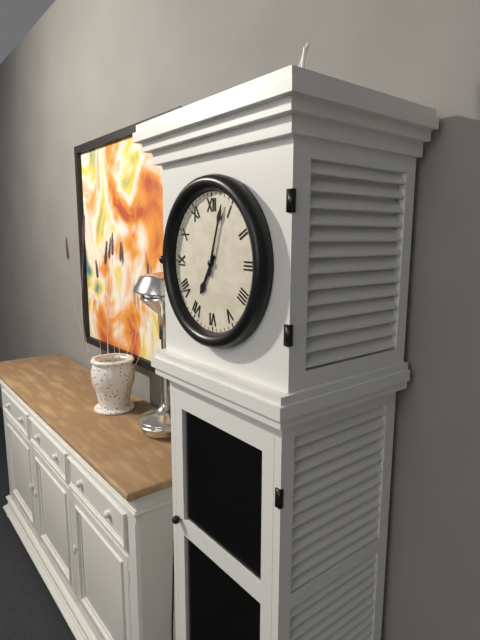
7:03
